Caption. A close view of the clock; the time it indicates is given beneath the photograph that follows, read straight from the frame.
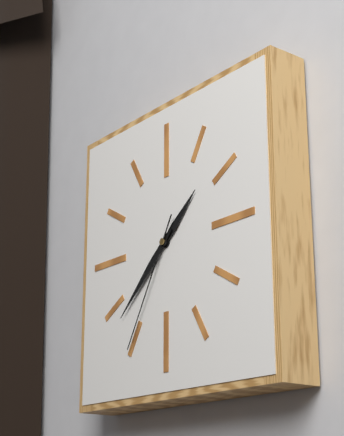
1:38:35
